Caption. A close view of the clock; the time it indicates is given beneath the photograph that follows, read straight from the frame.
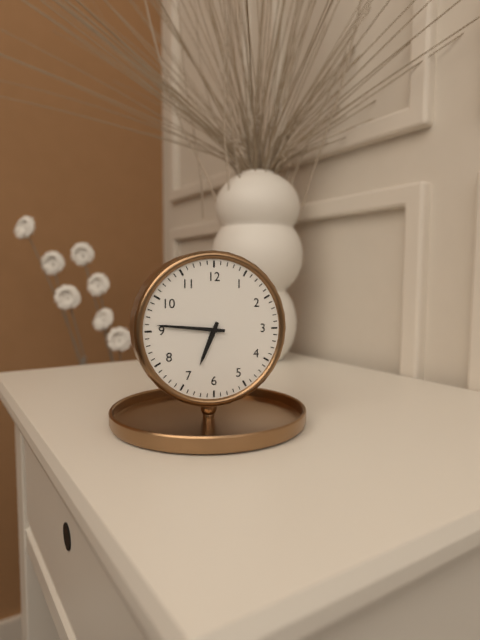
6:46
